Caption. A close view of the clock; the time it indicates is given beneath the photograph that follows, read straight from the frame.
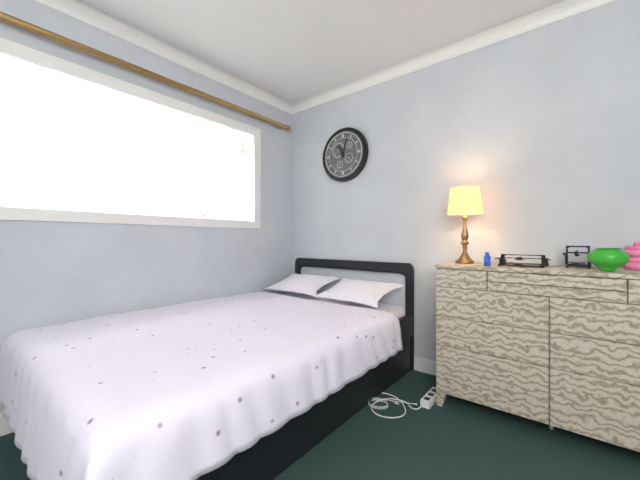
11:03
